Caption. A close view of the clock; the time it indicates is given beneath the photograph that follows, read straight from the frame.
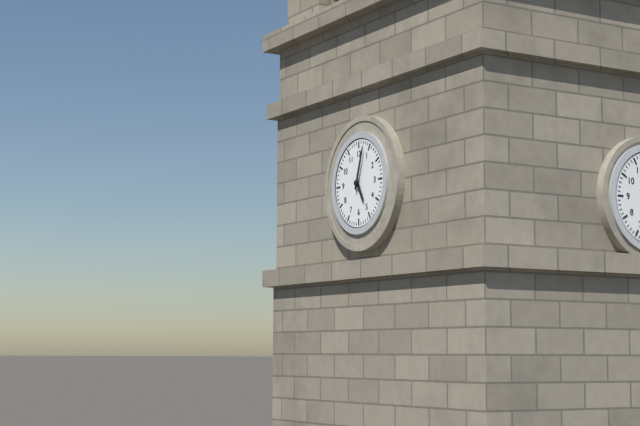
5:03
